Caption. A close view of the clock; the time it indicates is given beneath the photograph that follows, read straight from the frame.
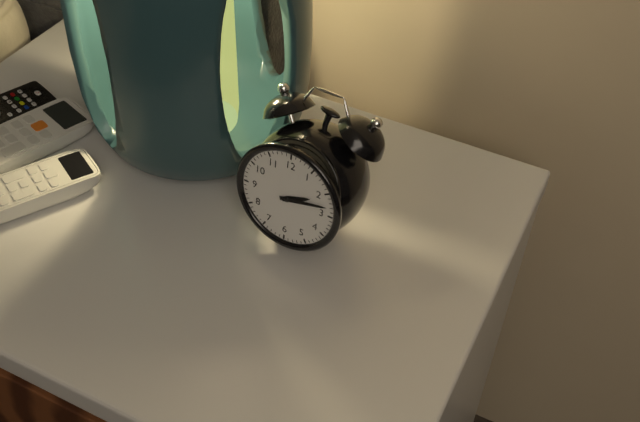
2:13
